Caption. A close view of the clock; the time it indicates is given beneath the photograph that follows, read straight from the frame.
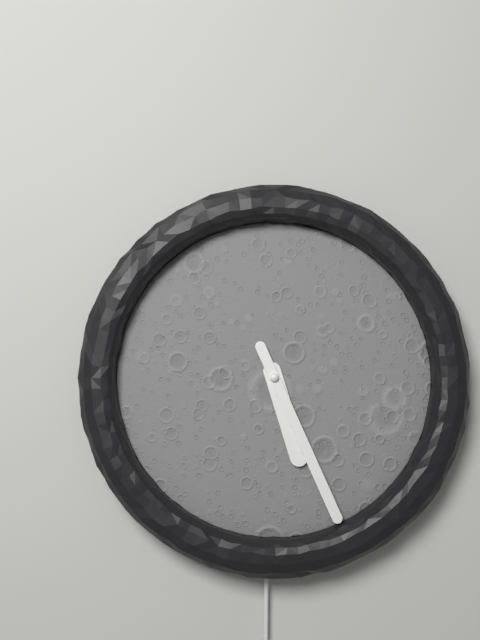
5:26
